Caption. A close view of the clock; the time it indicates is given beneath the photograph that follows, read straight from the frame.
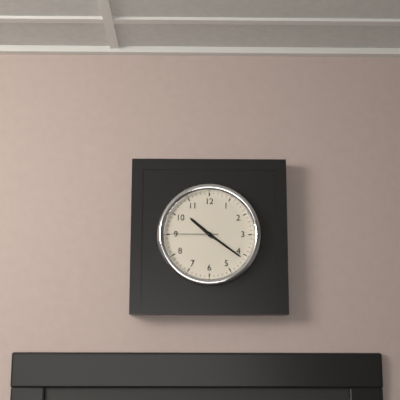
10:21
